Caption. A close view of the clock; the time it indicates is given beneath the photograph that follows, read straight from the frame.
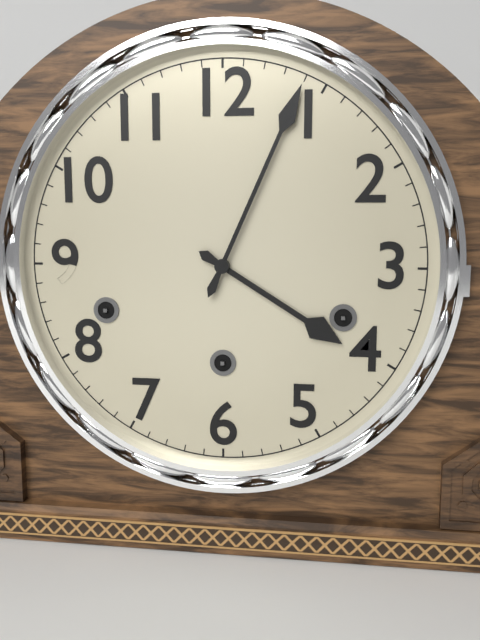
4:04
